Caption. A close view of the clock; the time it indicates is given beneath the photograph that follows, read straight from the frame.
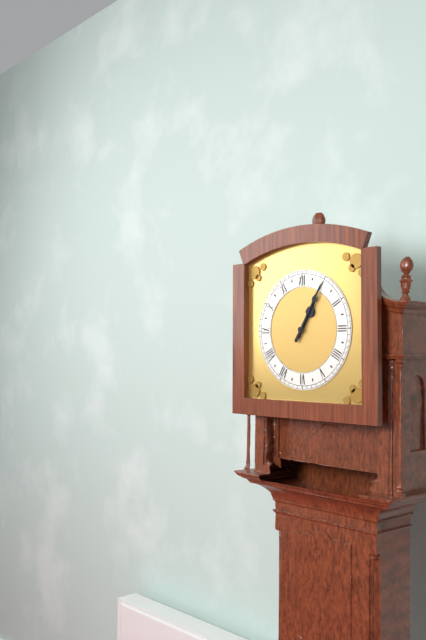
1:05
